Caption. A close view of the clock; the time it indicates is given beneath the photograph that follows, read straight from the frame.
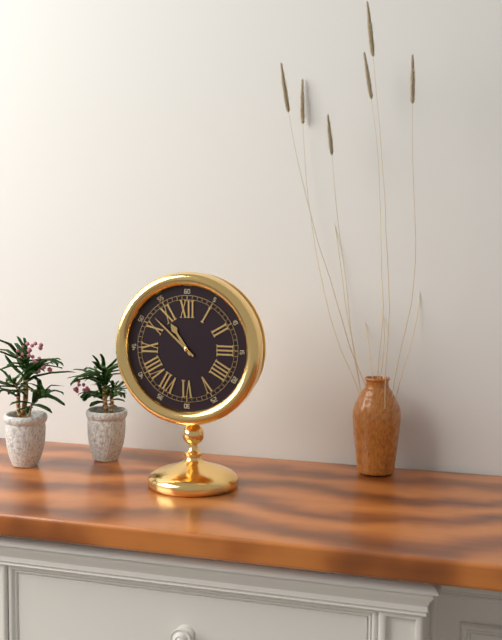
10:52
